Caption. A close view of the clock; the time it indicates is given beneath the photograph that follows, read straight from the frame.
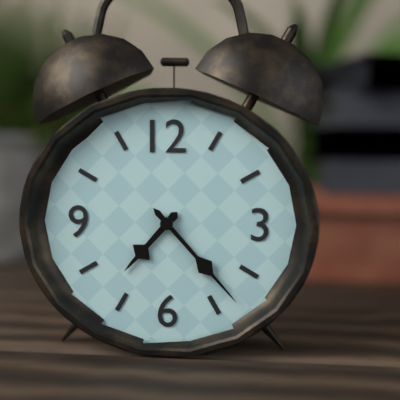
7:23
